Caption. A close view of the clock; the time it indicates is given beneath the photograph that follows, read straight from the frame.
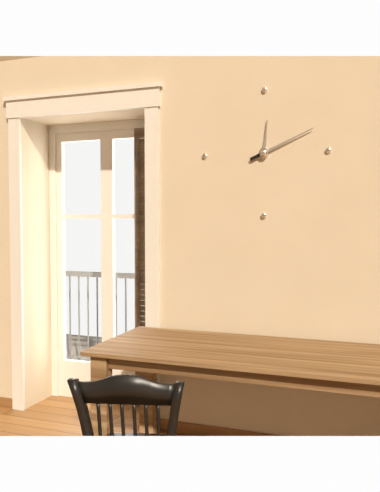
12:11
